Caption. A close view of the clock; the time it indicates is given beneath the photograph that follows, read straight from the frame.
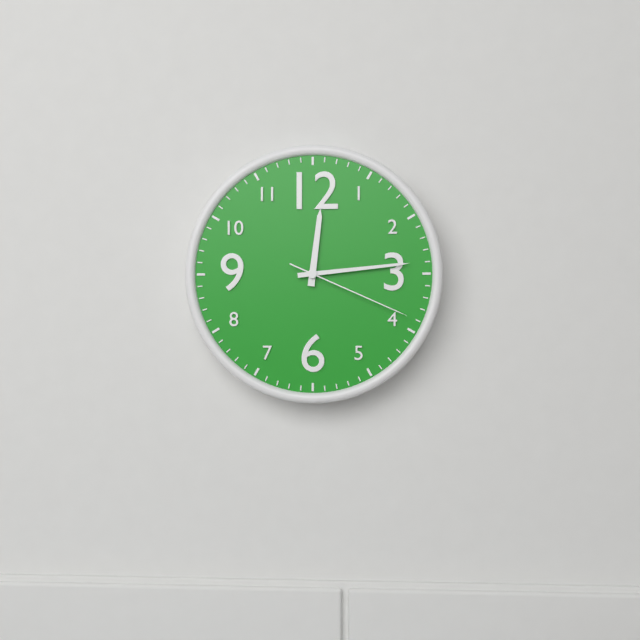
12:14:19
